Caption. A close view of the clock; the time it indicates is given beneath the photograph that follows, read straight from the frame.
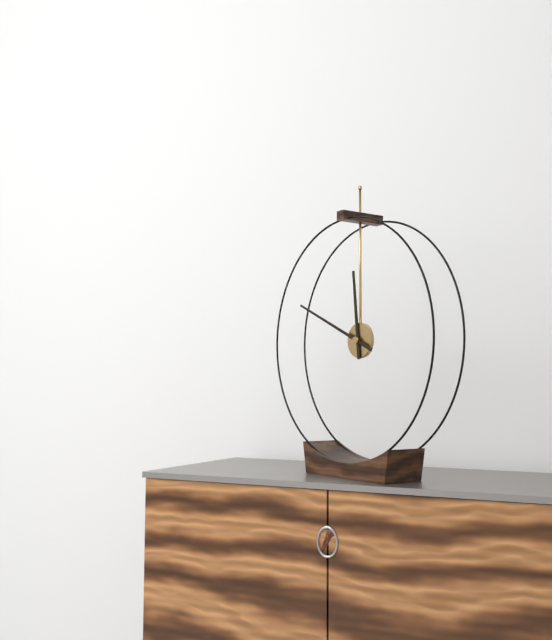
11:49
